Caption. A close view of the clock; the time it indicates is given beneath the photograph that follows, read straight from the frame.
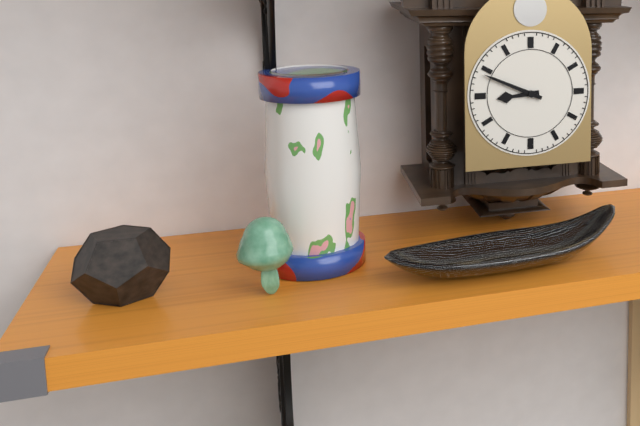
8:49
